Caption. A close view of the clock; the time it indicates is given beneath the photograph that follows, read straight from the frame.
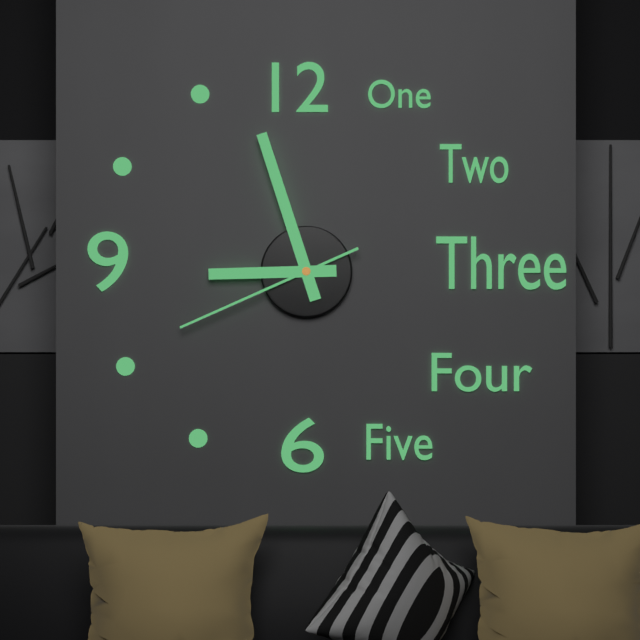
8:57:41
